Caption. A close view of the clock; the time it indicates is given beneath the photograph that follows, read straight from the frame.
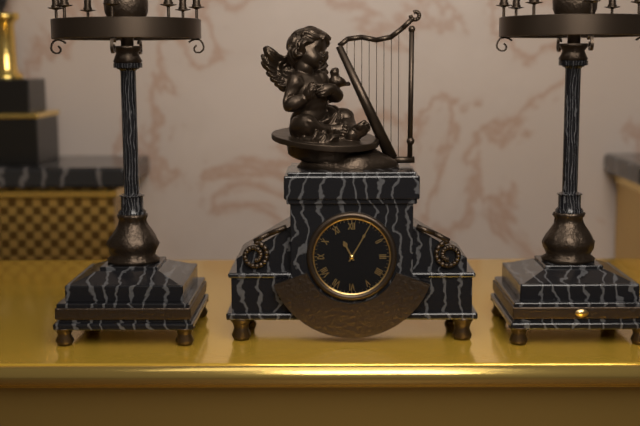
11:05
